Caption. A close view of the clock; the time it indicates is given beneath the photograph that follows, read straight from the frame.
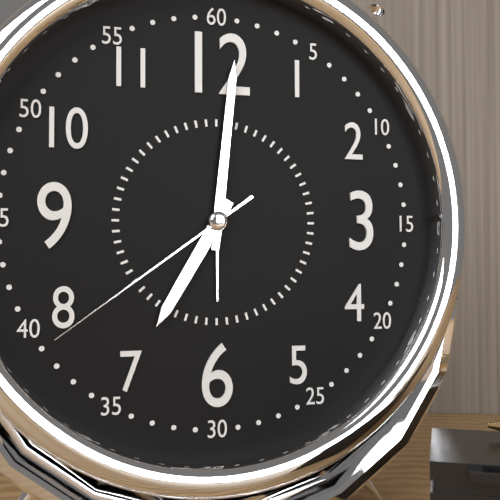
7:01:39
